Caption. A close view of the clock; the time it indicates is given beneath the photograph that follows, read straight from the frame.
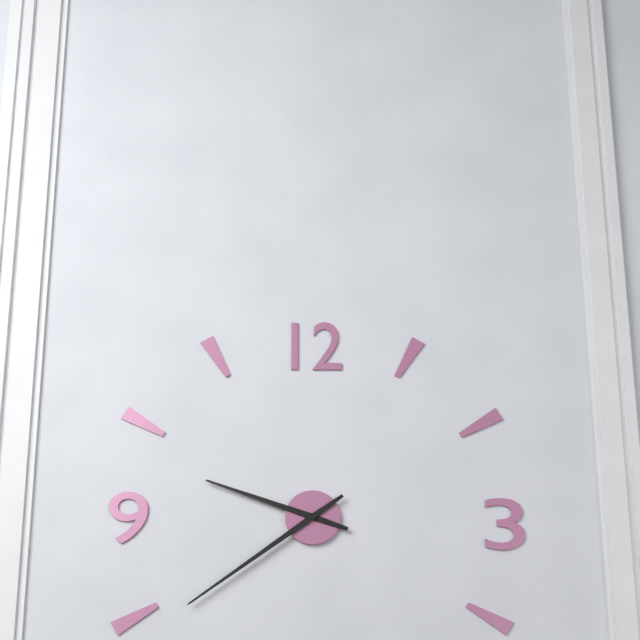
9:39
